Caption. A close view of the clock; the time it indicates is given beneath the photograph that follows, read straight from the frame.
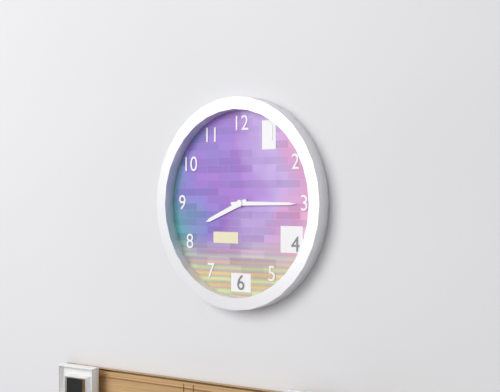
8:15
